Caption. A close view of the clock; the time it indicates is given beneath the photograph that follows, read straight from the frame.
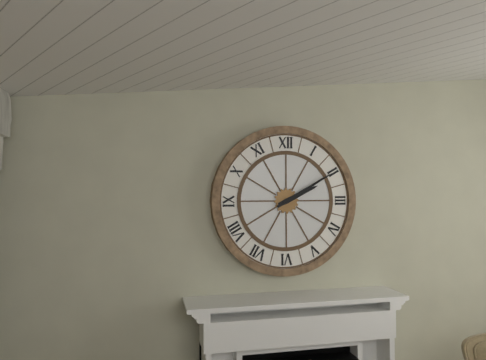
2:10
